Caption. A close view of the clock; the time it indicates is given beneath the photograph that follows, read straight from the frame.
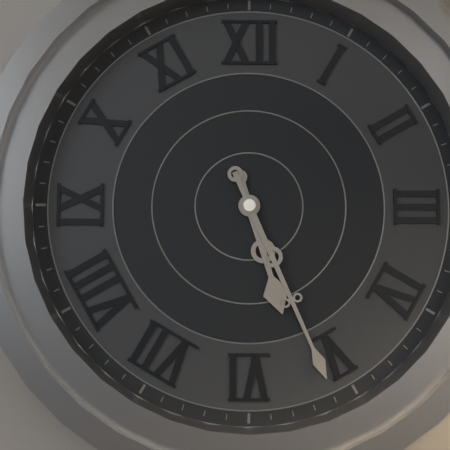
5:26
